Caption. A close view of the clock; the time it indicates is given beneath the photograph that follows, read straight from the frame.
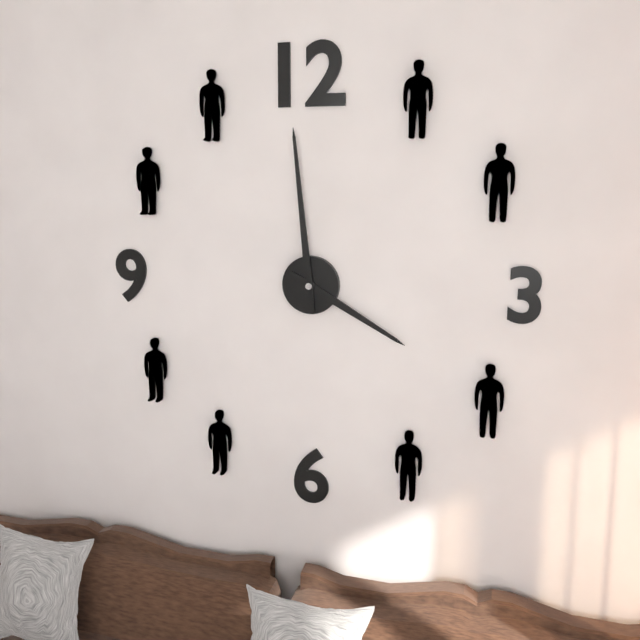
3:59
